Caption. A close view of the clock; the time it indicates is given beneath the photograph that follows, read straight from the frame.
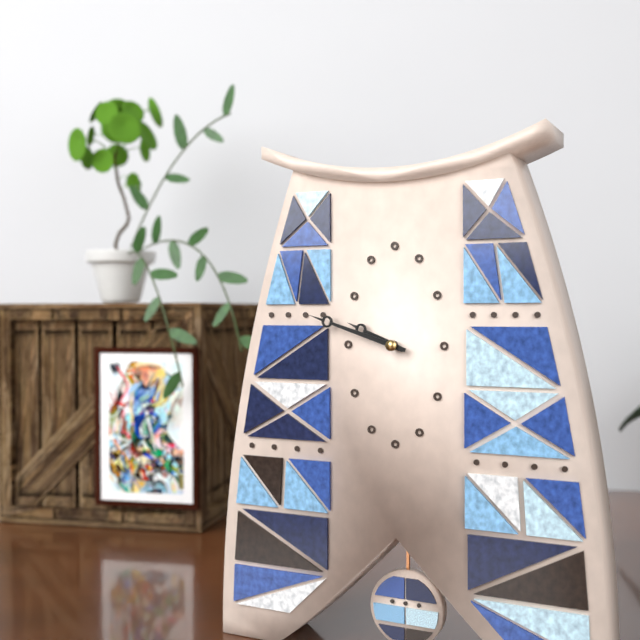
9:48
